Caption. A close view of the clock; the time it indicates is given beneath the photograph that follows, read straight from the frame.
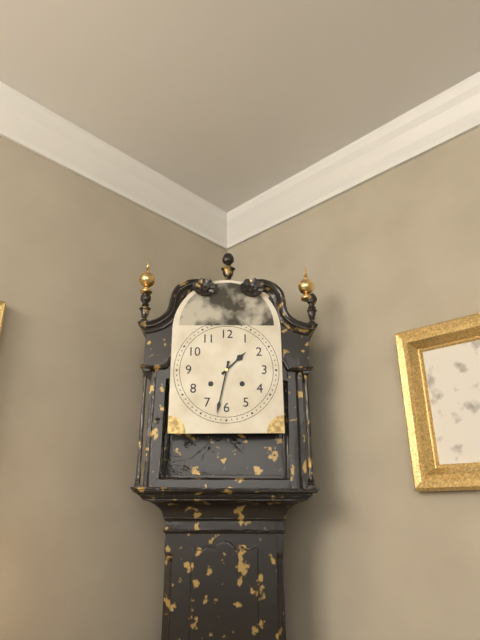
1:32
